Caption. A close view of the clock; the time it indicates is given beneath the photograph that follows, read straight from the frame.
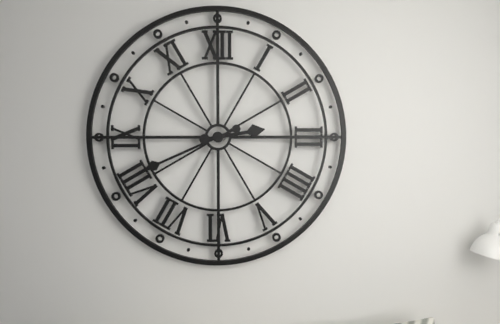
2:41
